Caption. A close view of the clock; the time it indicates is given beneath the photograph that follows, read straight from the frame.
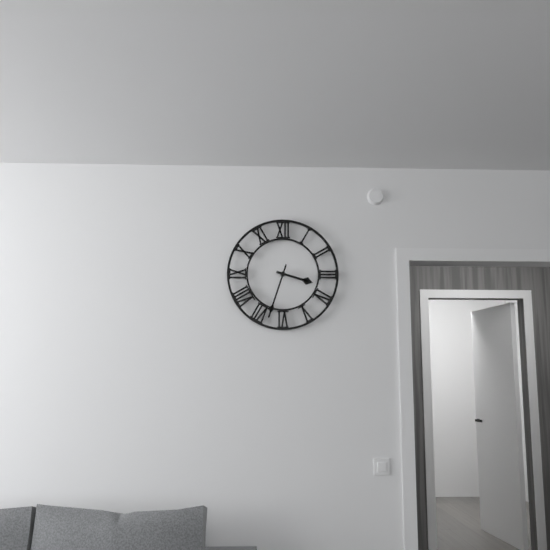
3:33
